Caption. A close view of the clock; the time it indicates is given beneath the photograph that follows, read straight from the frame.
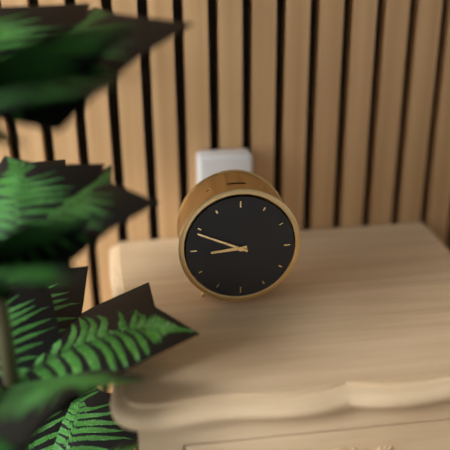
8:49
